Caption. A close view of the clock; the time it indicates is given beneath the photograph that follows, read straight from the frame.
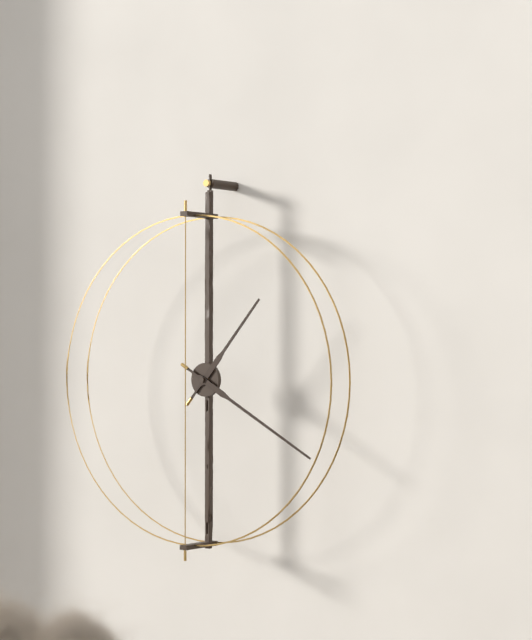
1:20
